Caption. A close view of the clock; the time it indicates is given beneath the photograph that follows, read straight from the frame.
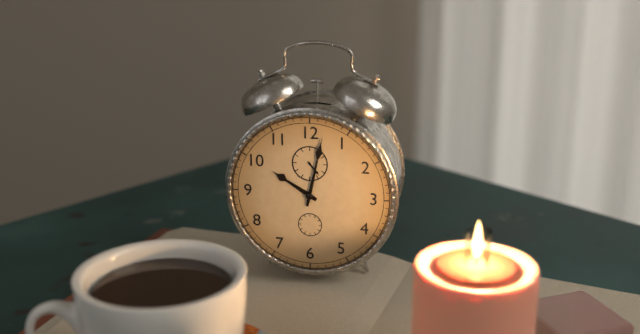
10:02
